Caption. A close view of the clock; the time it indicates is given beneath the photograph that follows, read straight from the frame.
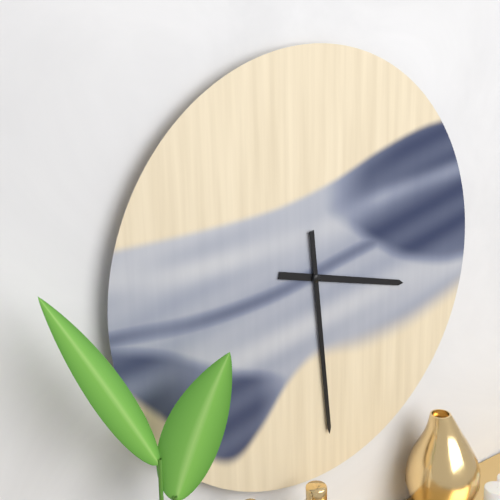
3:29
